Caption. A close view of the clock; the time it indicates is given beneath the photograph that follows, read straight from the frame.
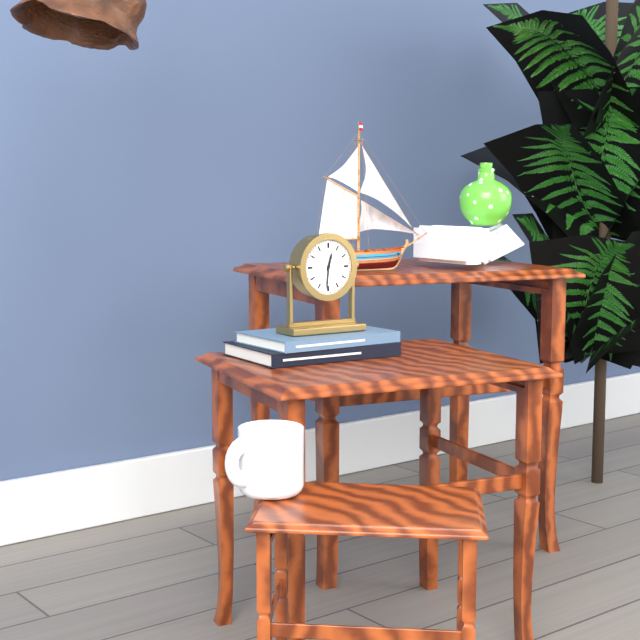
12:31
